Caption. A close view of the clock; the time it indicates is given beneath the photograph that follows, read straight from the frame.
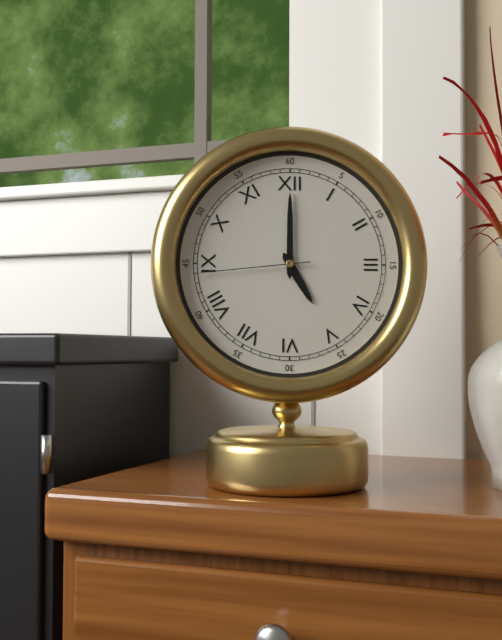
5:00:44
